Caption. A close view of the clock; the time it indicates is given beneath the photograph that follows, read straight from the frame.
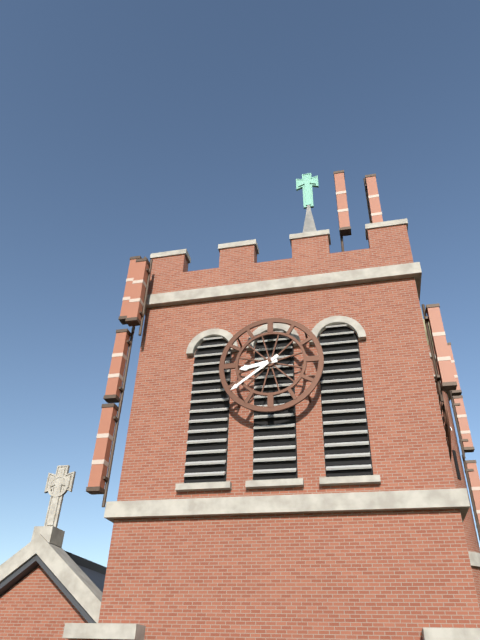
8:39
